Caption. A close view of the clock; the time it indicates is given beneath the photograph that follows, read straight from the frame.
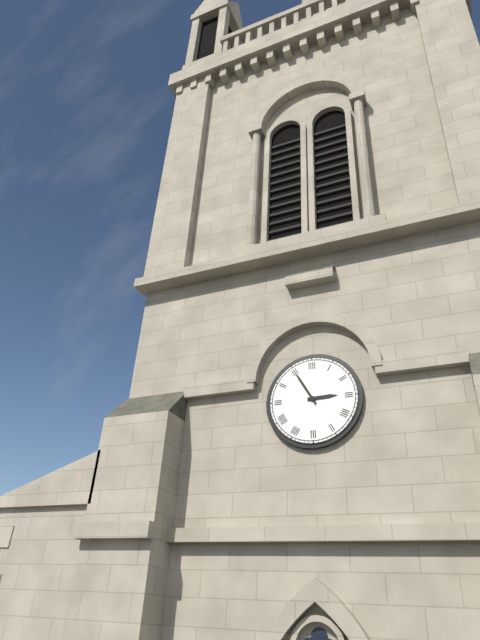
2:55
